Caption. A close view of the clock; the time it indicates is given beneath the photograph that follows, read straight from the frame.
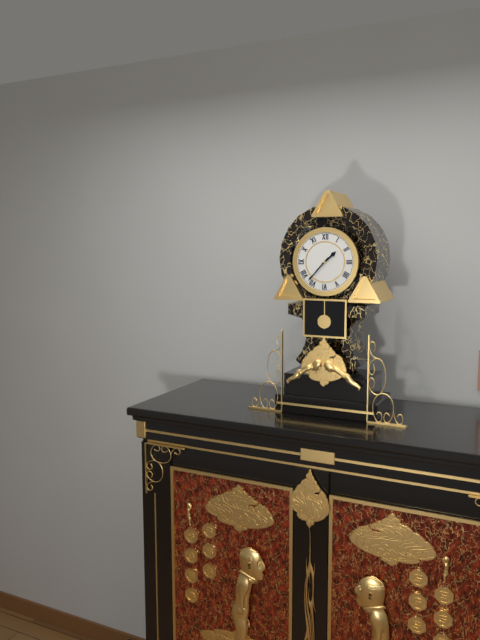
1:37
